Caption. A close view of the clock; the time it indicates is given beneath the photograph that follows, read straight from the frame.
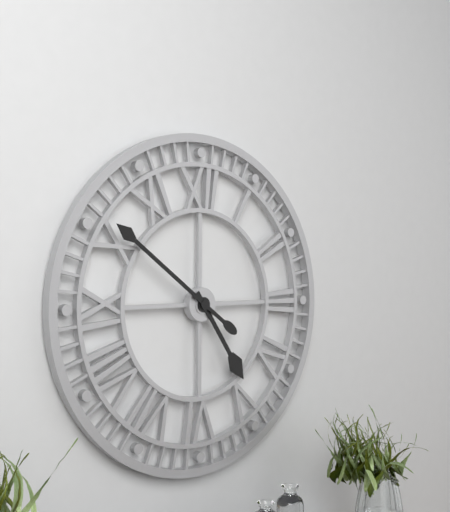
4:51
